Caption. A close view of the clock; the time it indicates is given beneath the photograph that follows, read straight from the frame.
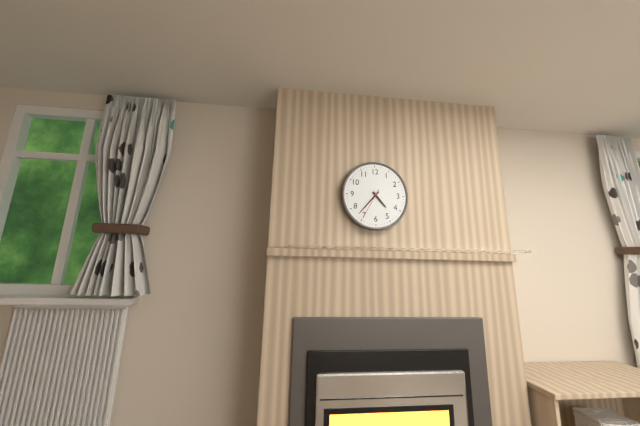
4:37
